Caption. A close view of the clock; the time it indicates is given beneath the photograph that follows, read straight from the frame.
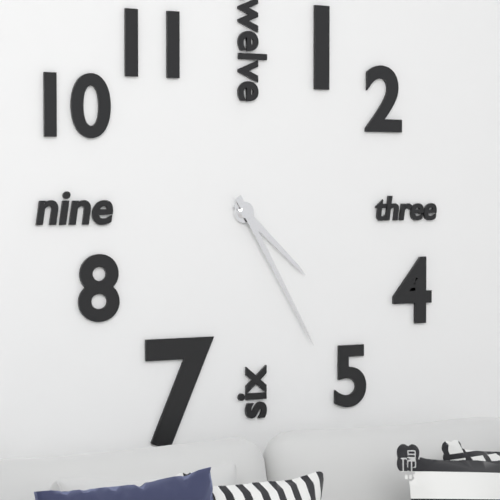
4:25
